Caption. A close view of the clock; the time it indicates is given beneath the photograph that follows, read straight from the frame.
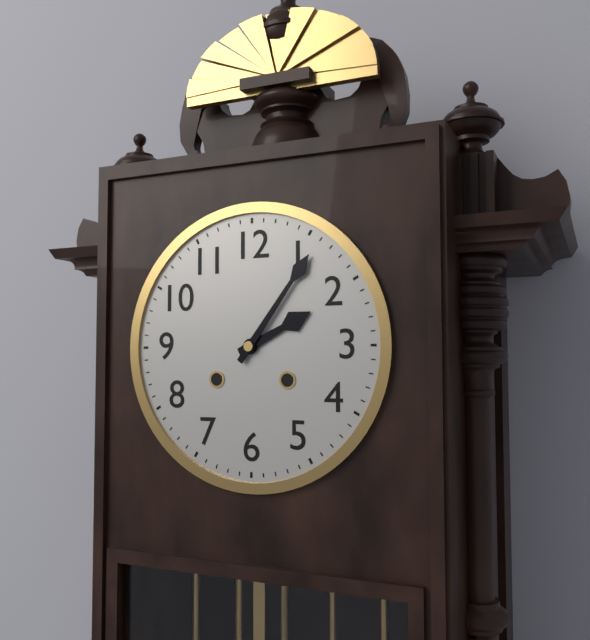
2:06
